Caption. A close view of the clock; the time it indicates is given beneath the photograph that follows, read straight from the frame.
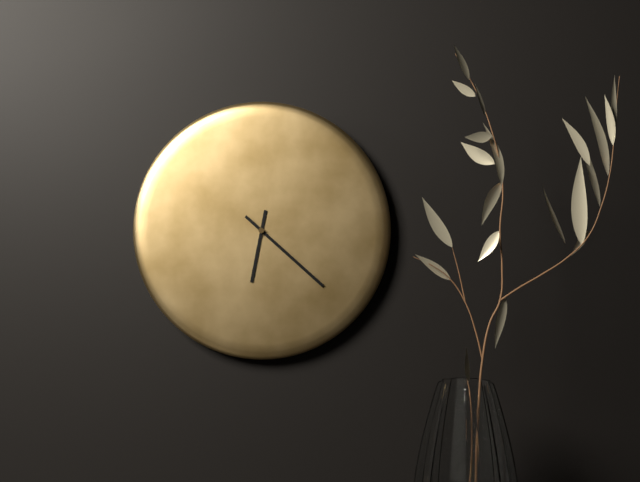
6:22
